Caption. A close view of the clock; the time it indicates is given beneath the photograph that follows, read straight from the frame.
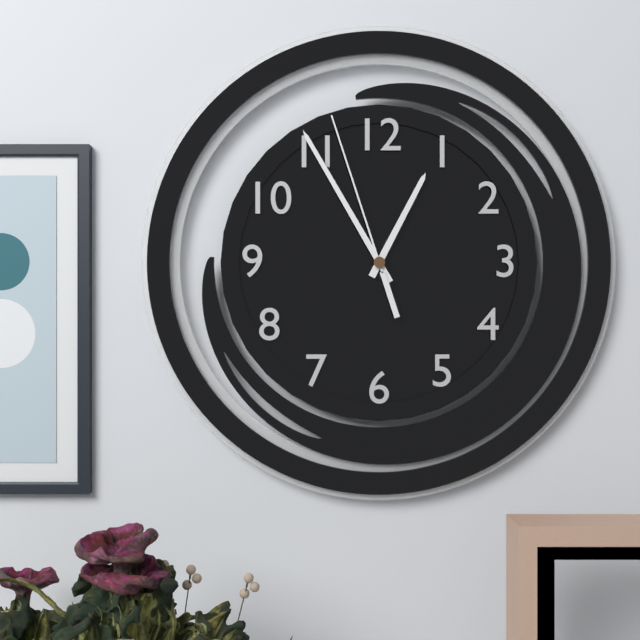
12:55:57
